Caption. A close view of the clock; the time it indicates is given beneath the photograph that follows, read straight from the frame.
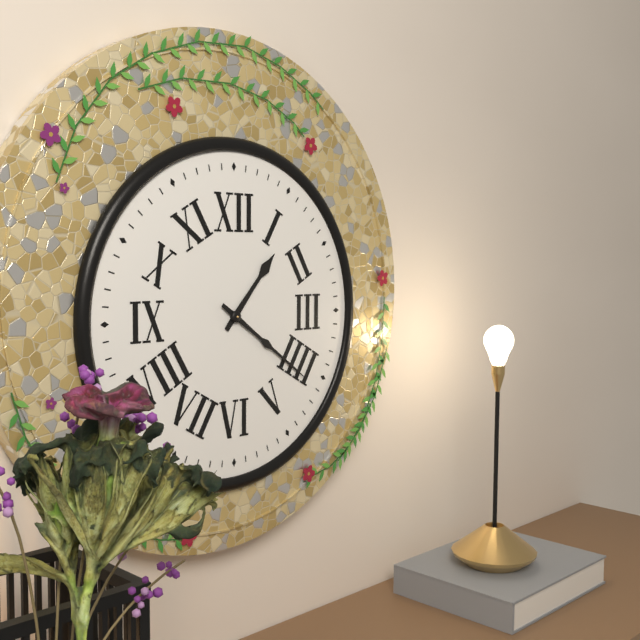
1:21
